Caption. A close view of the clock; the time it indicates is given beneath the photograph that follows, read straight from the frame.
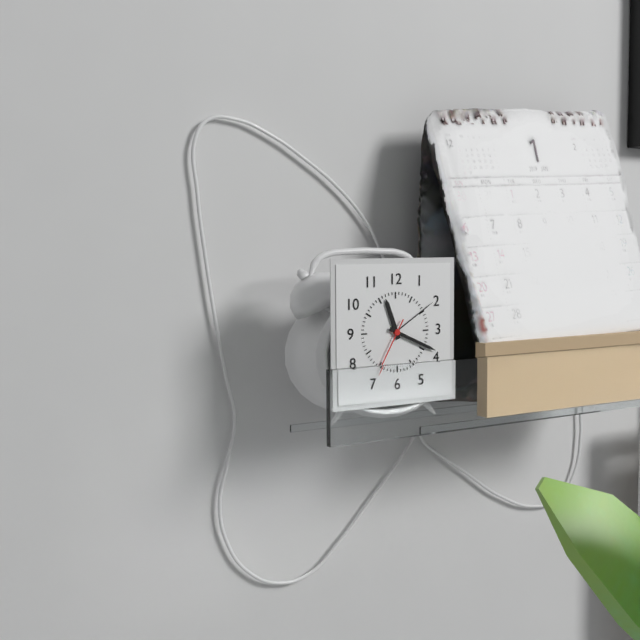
11:19:35
